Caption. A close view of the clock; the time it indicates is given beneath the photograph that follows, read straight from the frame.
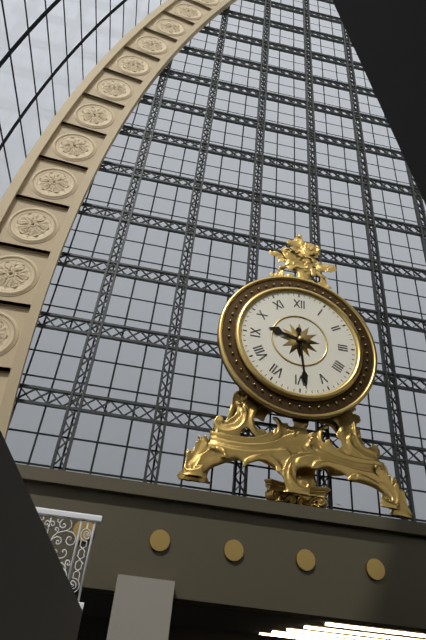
9:29
